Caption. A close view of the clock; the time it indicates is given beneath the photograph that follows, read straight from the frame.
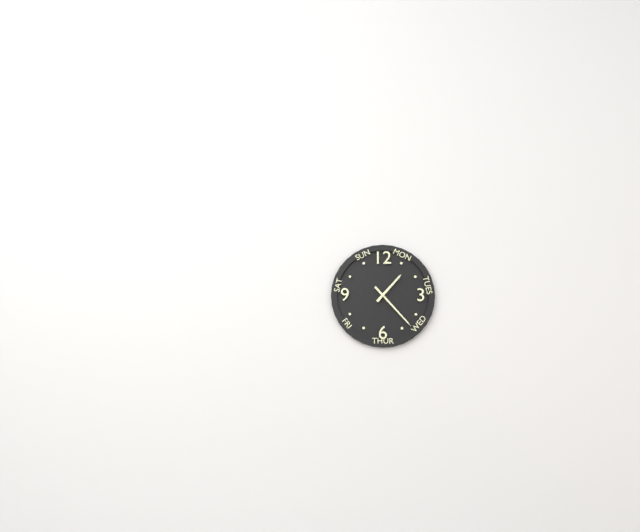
1:23
